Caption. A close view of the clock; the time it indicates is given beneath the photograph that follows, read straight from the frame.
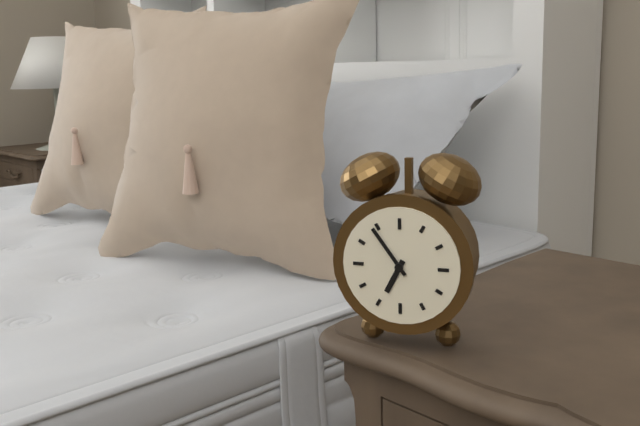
6:54
